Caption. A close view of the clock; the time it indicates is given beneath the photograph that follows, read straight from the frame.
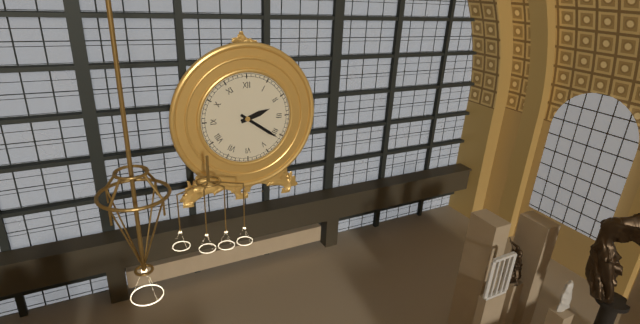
2:21
